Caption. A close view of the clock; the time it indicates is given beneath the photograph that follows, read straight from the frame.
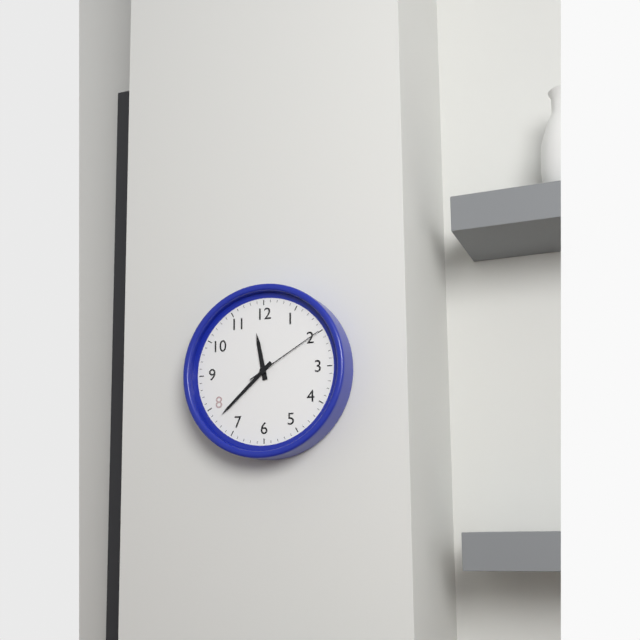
11:38:10
